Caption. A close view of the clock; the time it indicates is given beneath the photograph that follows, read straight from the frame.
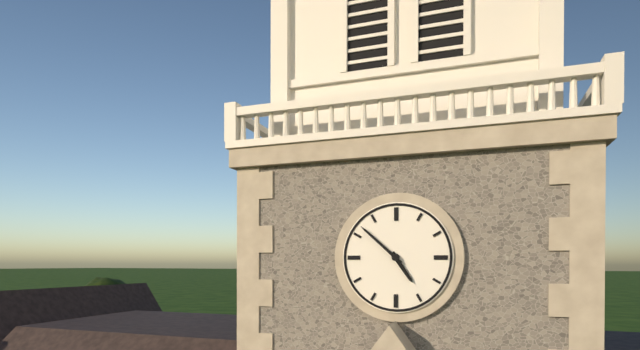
4:52
